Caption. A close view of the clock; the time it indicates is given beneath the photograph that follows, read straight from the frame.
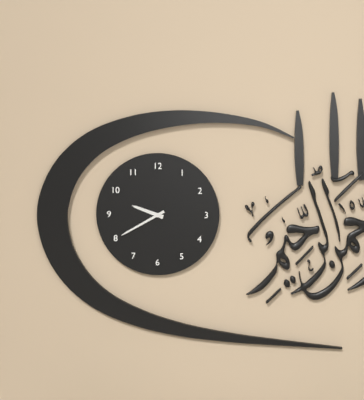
9:40
